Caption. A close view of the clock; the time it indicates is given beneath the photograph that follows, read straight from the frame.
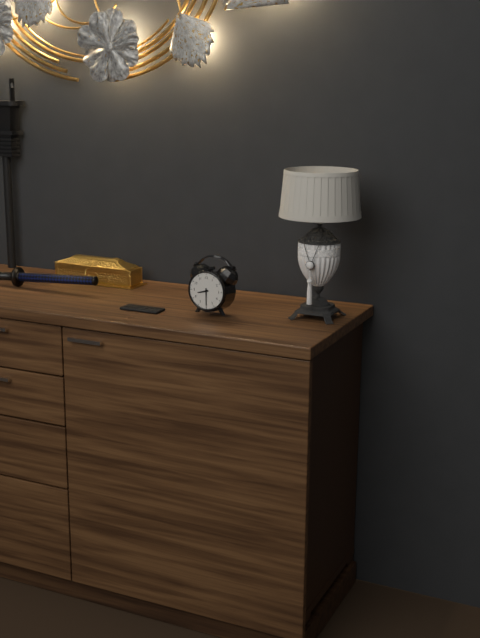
8:30
